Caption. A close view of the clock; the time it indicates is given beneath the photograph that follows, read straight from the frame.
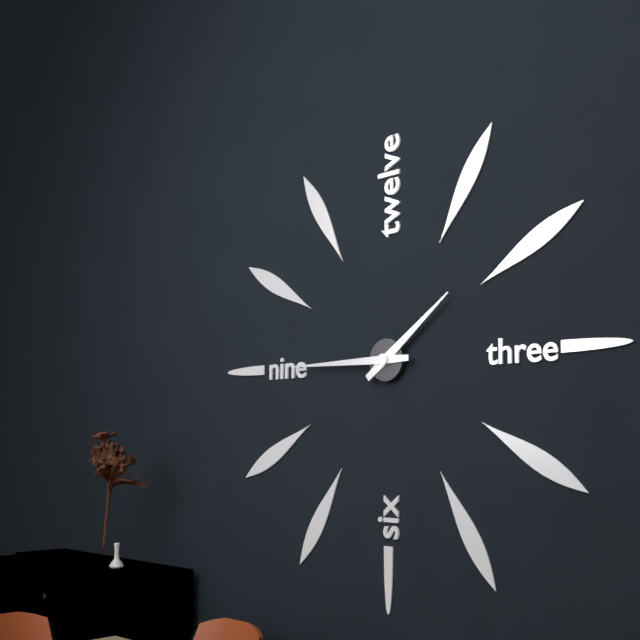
1:45
